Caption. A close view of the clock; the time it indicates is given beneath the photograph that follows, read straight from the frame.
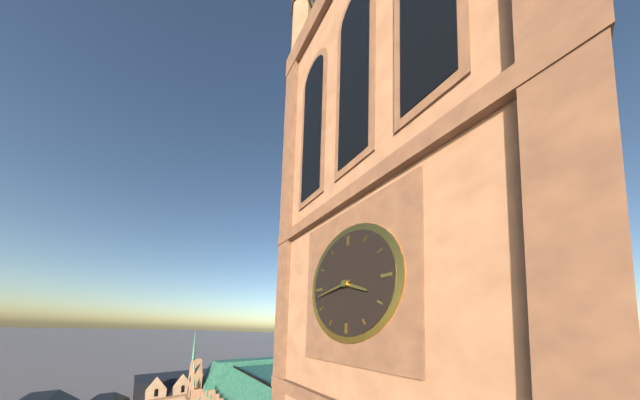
3:43
